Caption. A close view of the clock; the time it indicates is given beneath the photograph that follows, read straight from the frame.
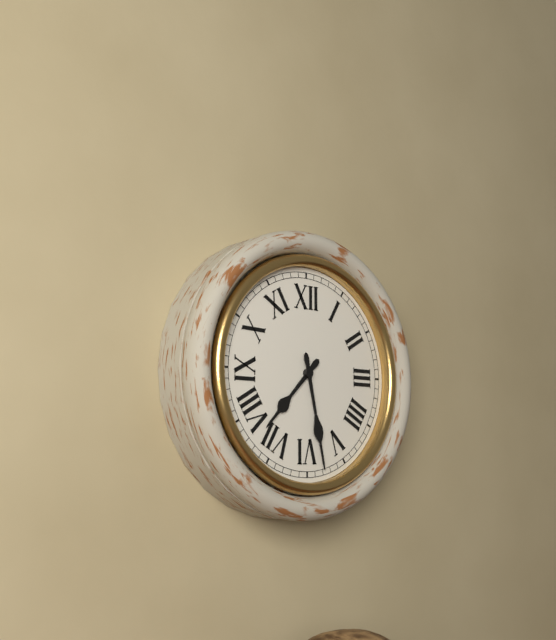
7:28
